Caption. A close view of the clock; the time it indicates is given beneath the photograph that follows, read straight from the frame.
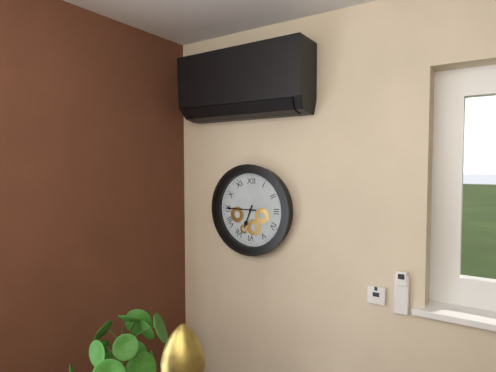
6:45
